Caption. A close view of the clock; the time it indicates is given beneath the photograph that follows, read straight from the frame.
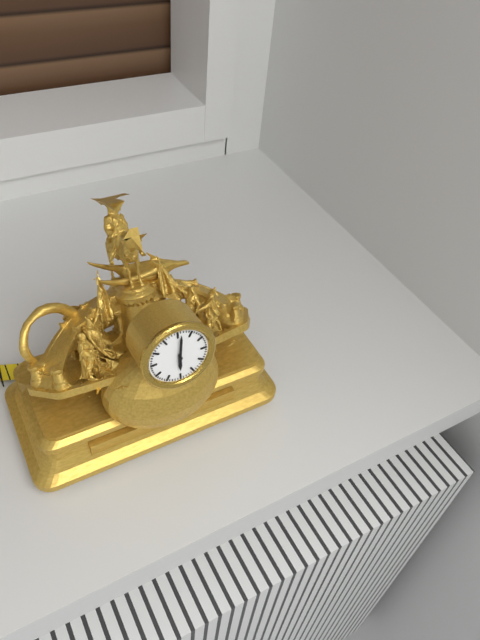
6:01
